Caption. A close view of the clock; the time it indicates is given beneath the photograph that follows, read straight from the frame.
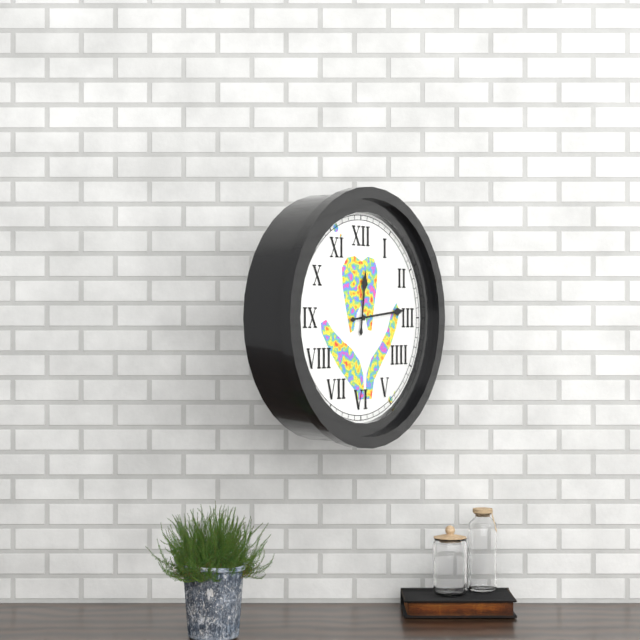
12:14
